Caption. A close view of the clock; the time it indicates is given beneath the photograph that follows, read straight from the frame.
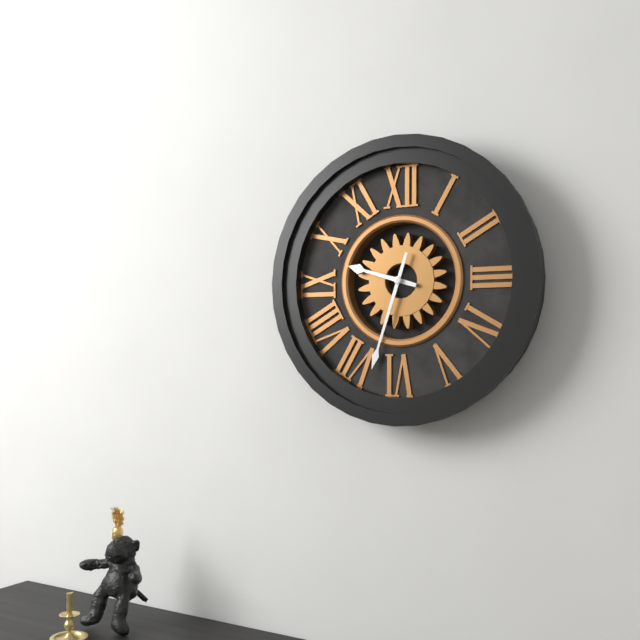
9:33
